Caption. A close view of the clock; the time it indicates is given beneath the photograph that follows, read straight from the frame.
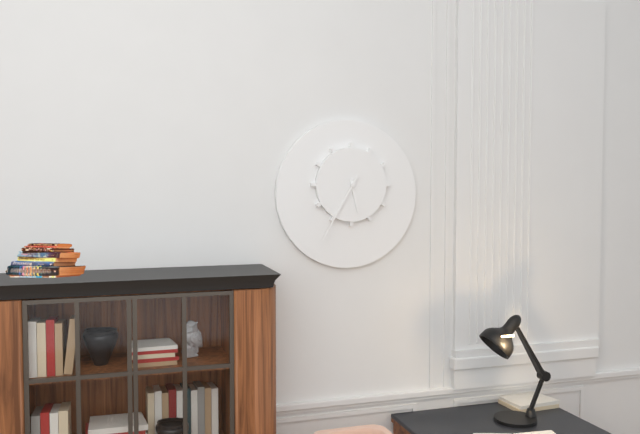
5:35
